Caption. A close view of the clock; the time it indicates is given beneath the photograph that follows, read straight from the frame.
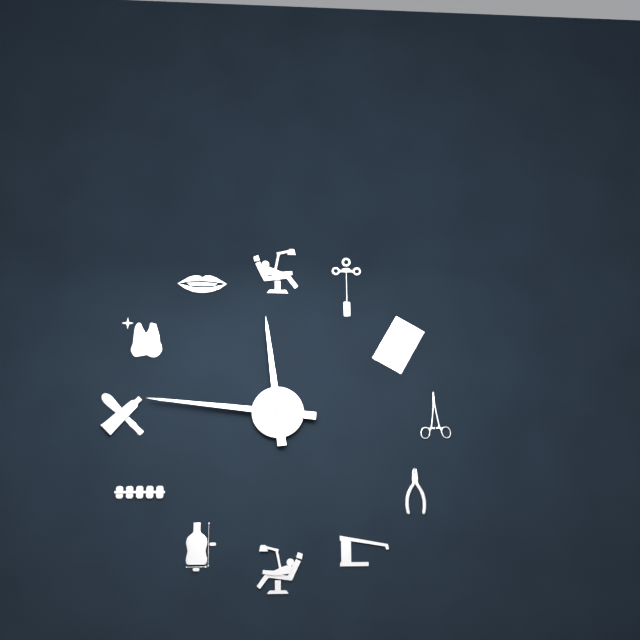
11:46
